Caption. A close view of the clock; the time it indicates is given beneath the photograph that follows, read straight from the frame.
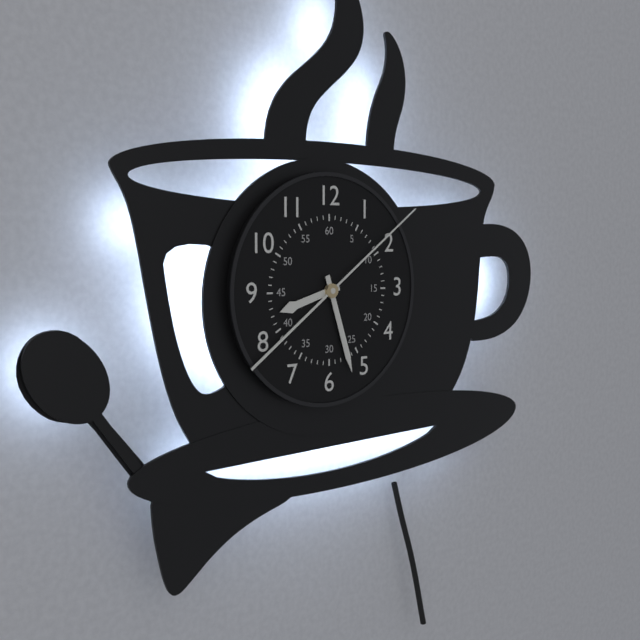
8:27:09
